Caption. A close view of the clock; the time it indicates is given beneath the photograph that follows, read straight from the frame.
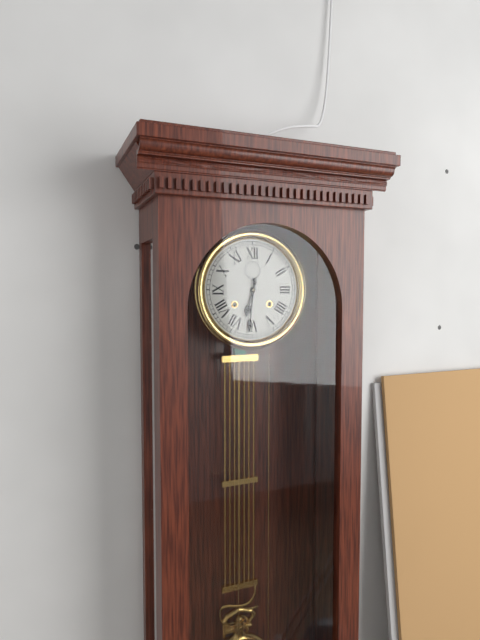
6:31
